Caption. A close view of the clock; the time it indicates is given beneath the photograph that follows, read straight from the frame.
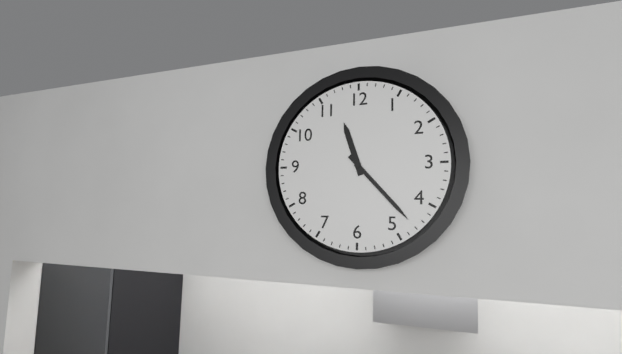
11:23
